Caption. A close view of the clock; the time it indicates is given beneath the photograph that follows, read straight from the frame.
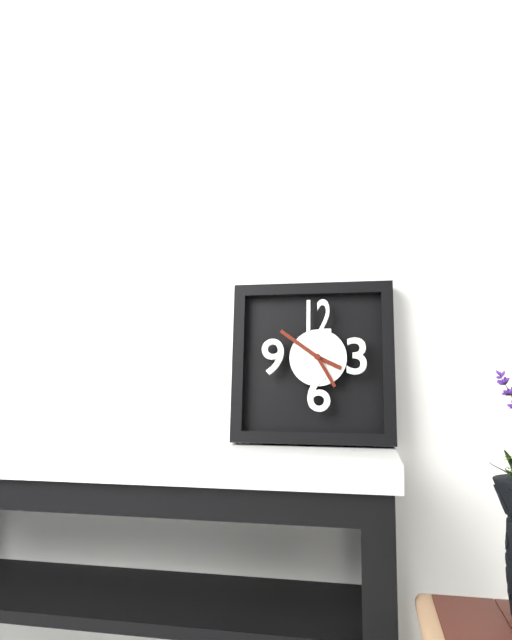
3:51
